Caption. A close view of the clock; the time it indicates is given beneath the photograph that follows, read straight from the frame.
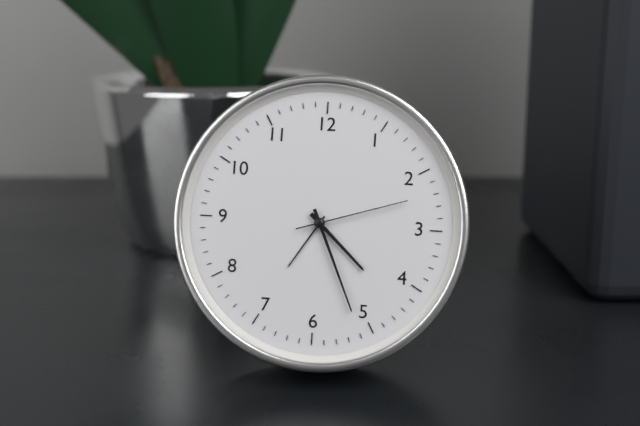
4:26:12
